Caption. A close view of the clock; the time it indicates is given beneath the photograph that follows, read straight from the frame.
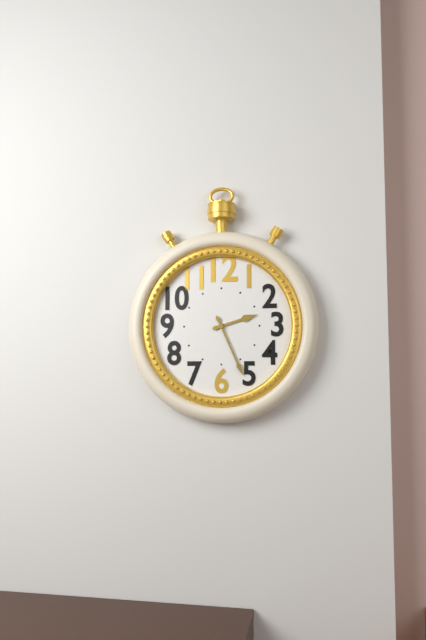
2:26
